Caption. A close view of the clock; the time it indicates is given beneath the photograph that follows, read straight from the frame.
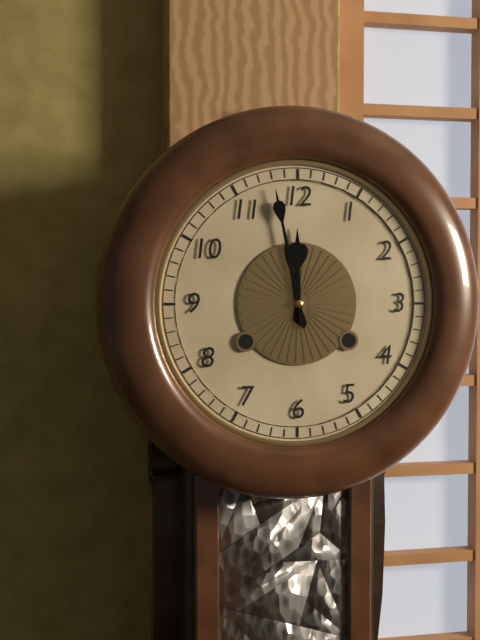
11:58
